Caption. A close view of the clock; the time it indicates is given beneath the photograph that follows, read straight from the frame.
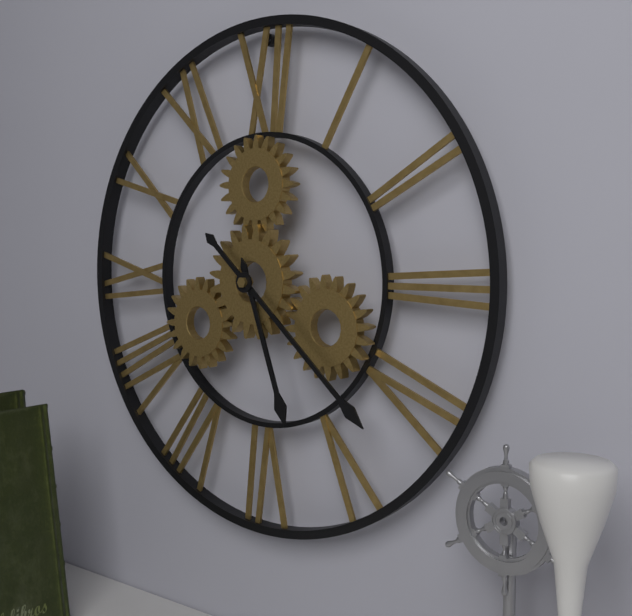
5:22
